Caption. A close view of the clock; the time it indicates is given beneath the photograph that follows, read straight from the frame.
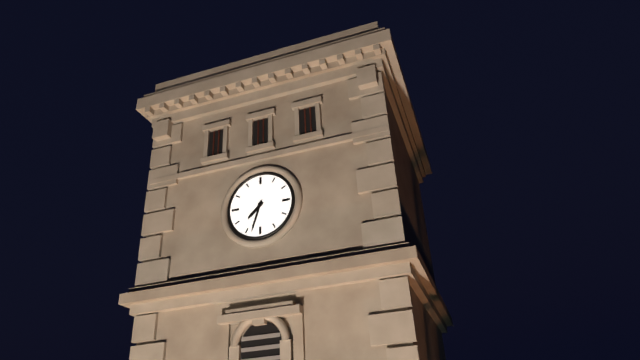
7:33
